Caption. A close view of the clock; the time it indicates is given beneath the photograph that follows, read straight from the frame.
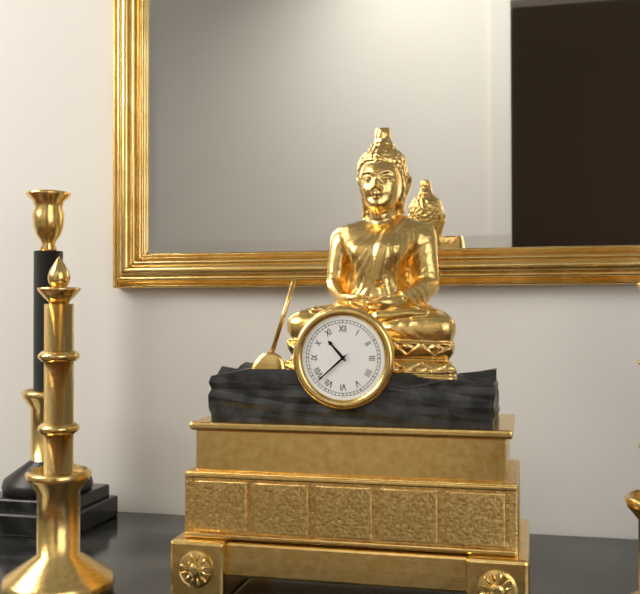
10:38
